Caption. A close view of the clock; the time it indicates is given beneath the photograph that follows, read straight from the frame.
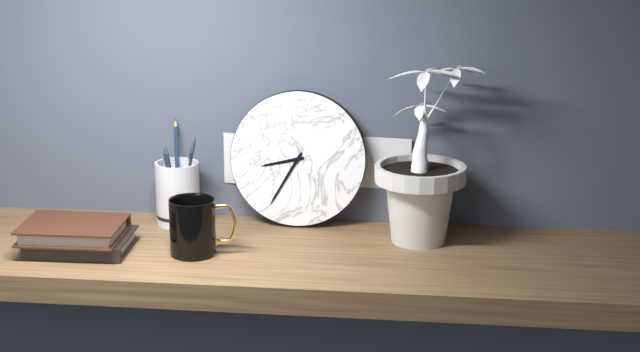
8:35
